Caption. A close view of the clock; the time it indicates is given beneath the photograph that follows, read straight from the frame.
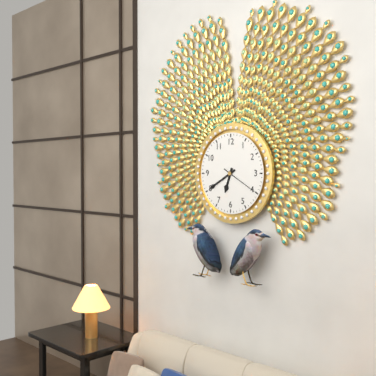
6:40
